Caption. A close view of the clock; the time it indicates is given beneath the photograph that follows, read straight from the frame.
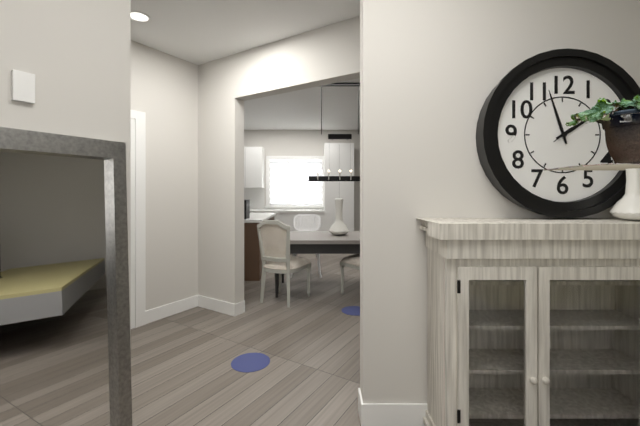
1:57
